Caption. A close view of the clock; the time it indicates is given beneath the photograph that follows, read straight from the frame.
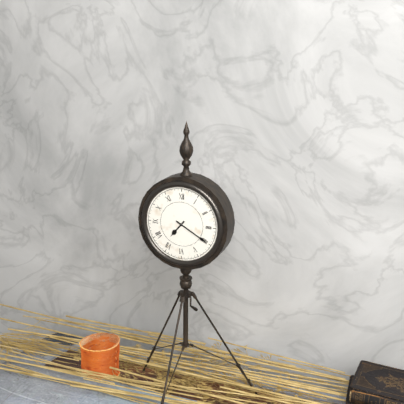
7:20
